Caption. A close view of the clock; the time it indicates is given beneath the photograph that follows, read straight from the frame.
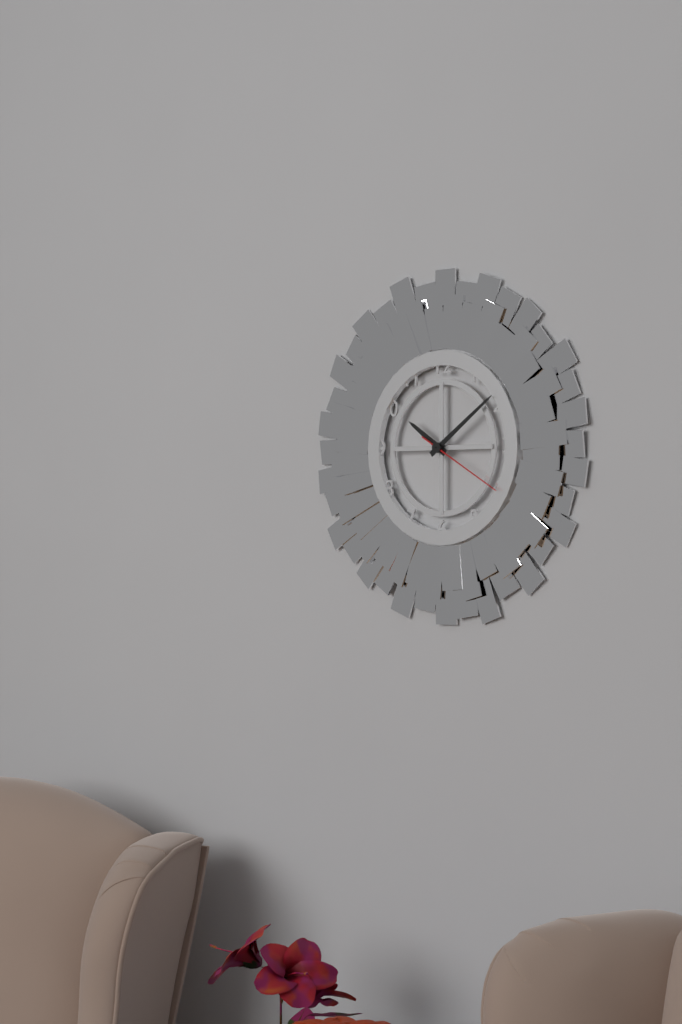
10:09:20
